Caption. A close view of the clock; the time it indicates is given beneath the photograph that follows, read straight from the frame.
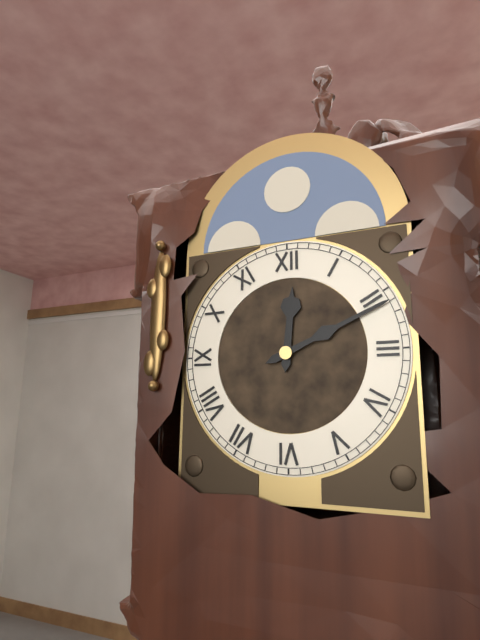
12:11
